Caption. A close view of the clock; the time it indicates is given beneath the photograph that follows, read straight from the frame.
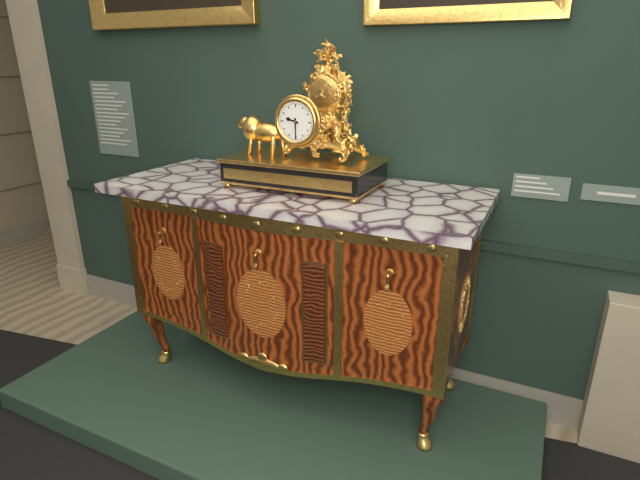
9:30
